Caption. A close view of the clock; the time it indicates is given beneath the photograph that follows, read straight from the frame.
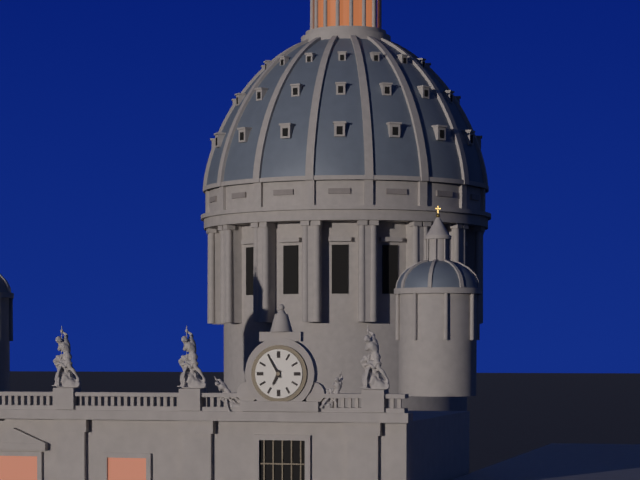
6:55
